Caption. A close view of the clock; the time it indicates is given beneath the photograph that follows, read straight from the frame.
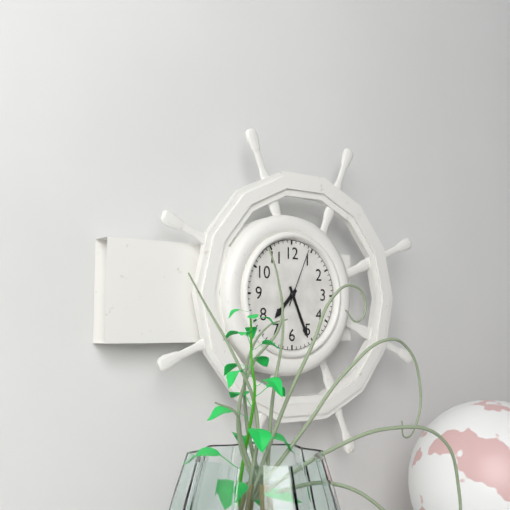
7:26:04
